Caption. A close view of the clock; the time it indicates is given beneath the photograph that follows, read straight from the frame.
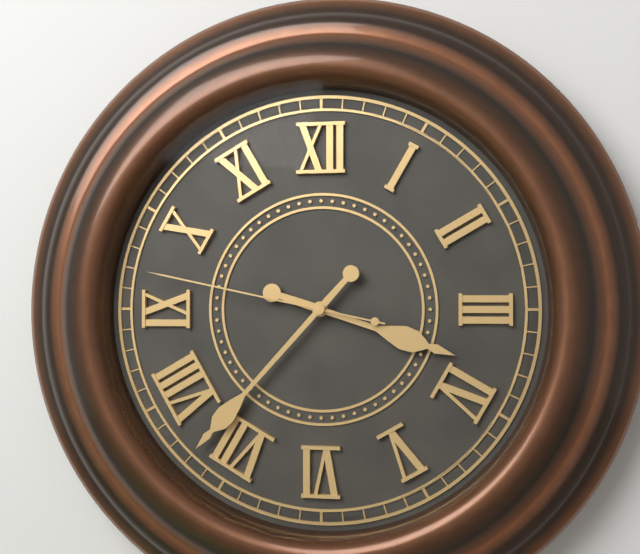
3:37:47
